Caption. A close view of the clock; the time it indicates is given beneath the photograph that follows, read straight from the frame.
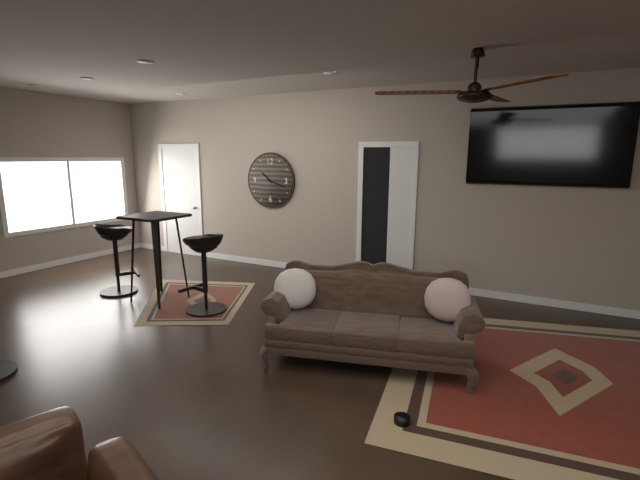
10:18
